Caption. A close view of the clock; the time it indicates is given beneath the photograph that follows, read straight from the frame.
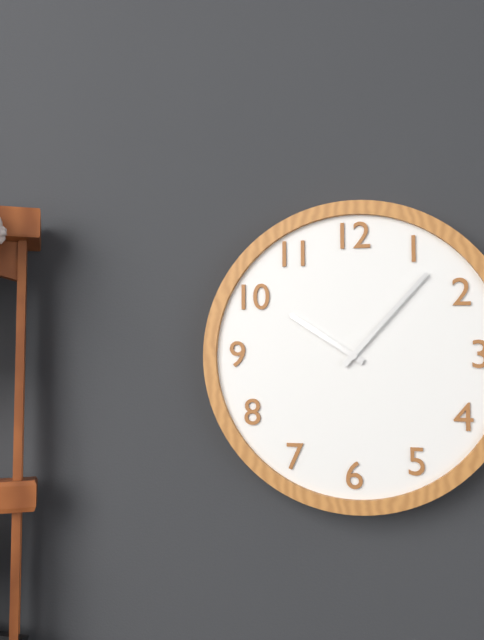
10:07
